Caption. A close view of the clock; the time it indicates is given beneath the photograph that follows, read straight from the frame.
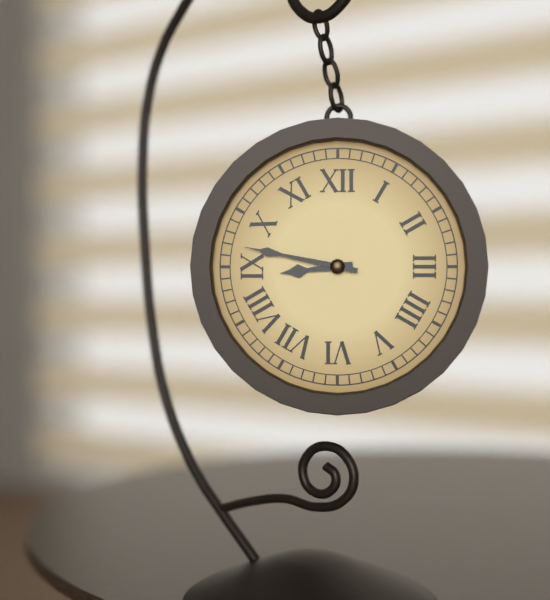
8:47
